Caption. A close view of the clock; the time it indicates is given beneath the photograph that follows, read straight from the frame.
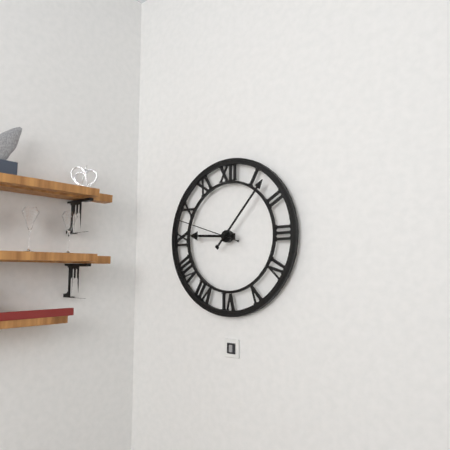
9:07:48
